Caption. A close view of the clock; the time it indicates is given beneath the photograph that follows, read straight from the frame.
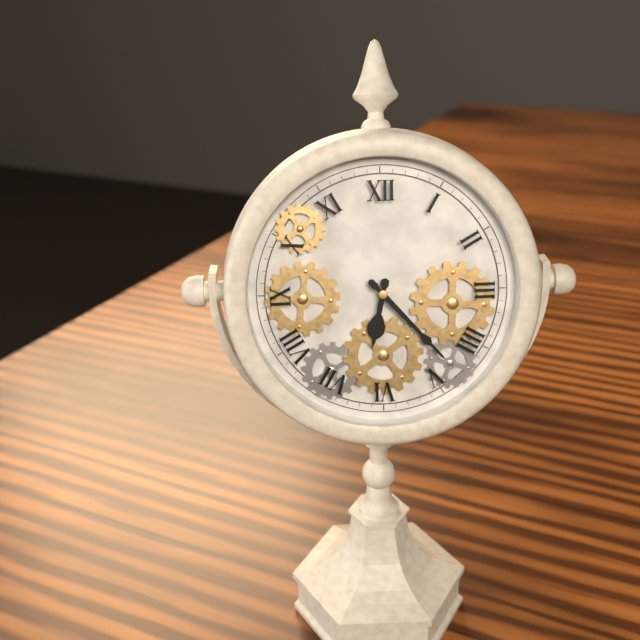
6:23
